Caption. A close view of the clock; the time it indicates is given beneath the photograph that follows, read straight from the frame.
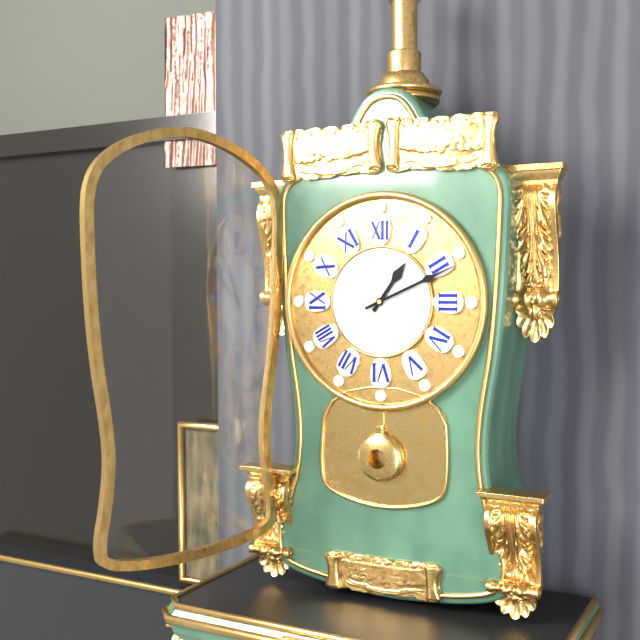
1:11
